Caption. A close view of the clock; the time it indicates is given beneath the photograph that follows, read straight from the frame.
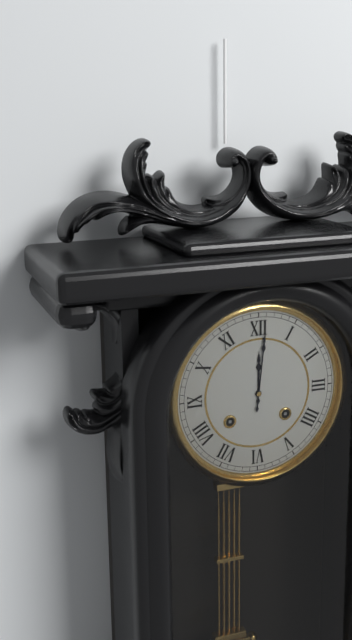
12:01
